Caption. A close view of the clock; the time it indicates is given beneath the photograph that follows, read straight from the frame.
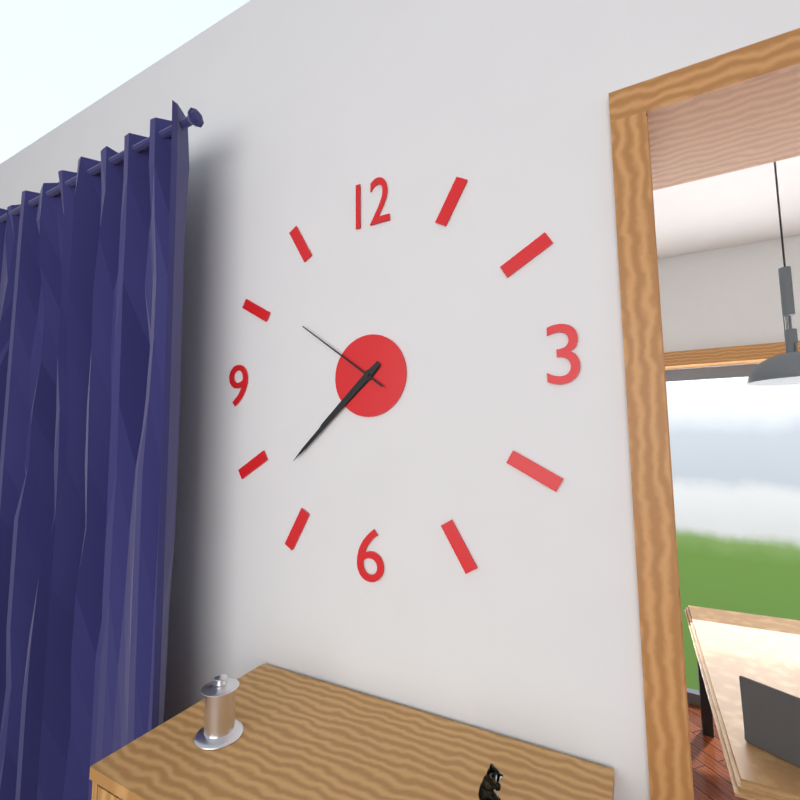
7:38:51
